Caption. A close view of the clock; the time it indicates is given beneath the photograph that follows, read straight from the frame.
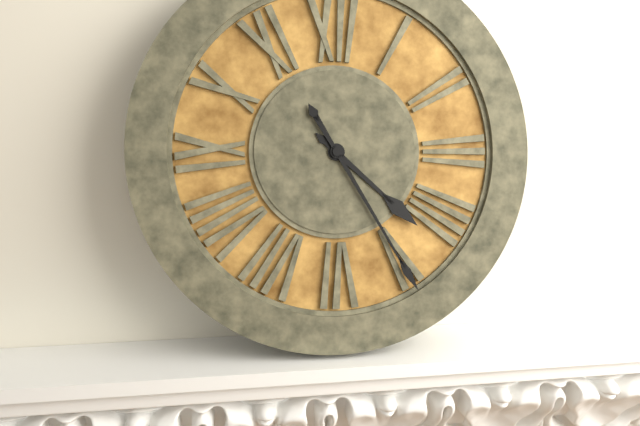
4:25
